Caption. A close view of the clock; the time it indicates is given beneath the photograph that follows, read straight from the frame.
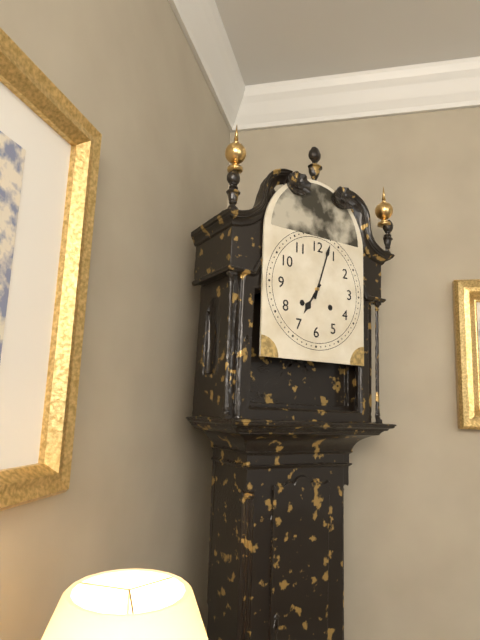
7:03
